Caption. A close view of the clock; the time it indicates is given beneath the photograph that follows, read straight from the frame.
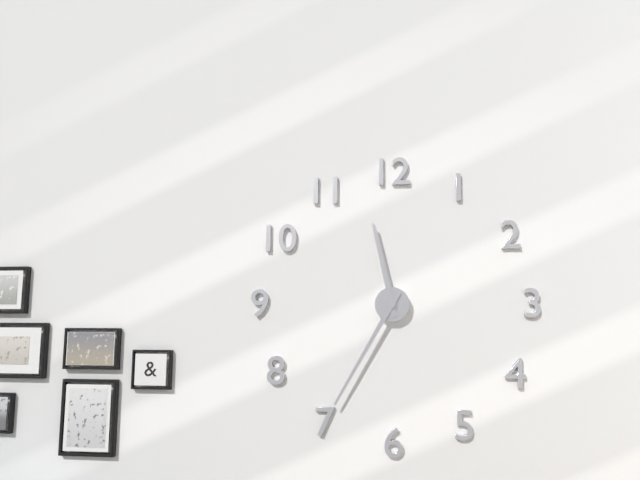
11:35
